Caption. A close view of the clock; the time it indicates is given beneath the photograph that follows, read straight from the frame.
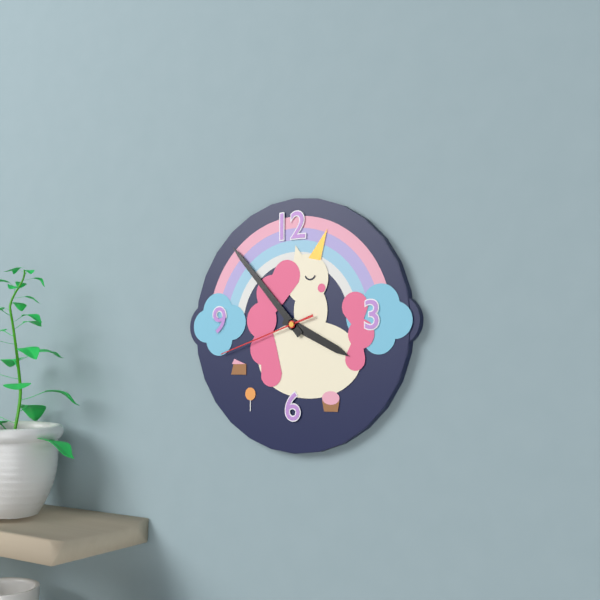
3:53:42
